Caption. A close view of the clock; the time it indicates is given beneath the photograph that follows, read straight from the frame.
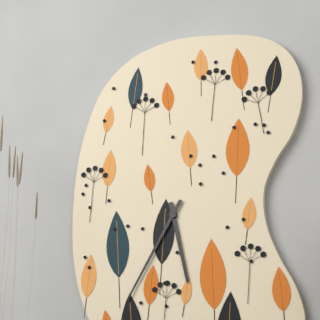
5:35
